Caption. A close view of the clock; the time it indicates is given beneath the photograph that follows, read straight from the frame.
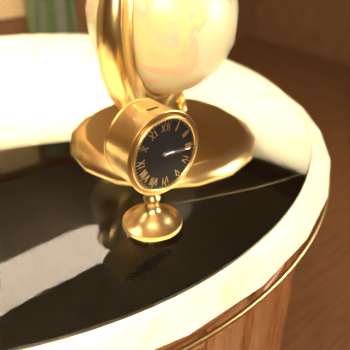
3:16
